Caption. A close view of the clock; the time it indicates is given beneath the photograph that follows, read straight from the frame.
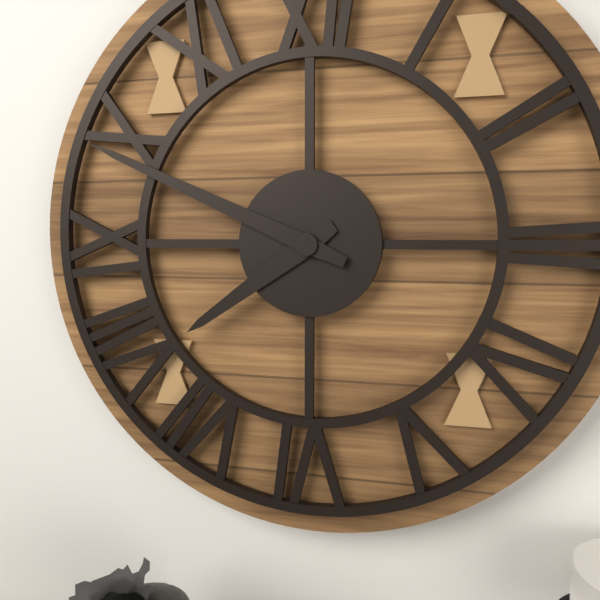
7:49
